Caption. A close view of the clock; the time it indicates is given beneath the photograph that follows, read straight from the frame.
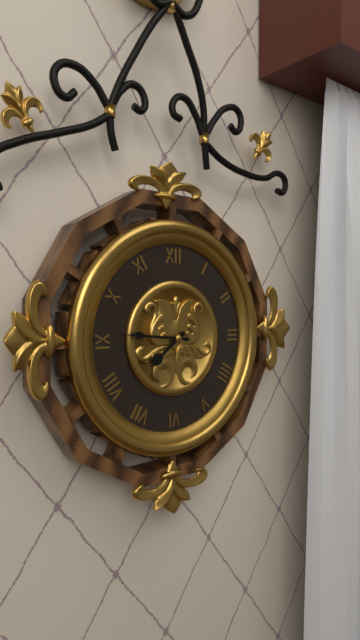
7:46
